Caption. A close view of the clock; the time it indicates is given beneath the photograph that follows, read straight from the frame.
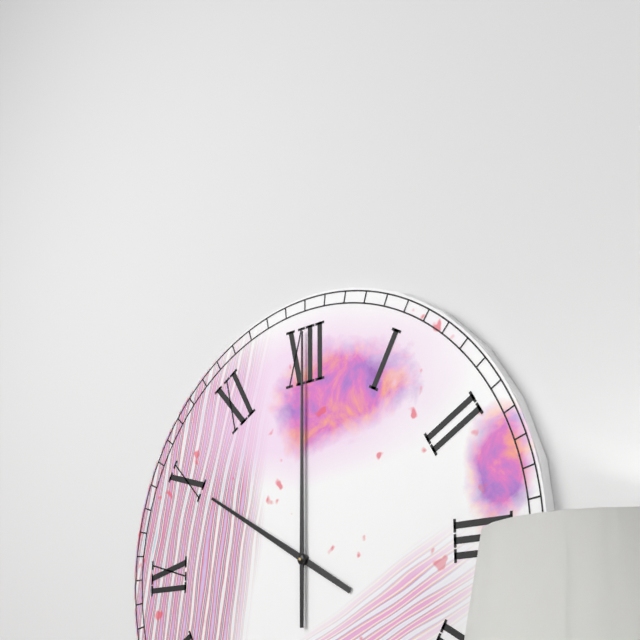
10:00
